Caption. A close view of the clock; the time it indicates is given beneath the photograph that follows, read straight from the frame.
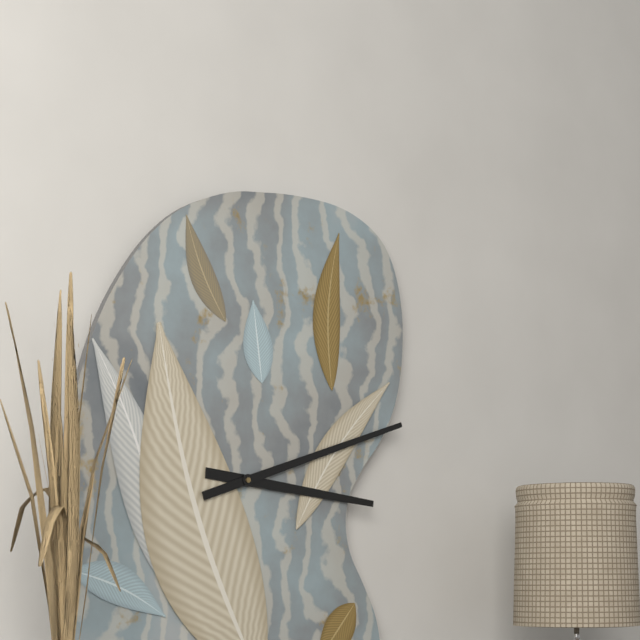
3:12
